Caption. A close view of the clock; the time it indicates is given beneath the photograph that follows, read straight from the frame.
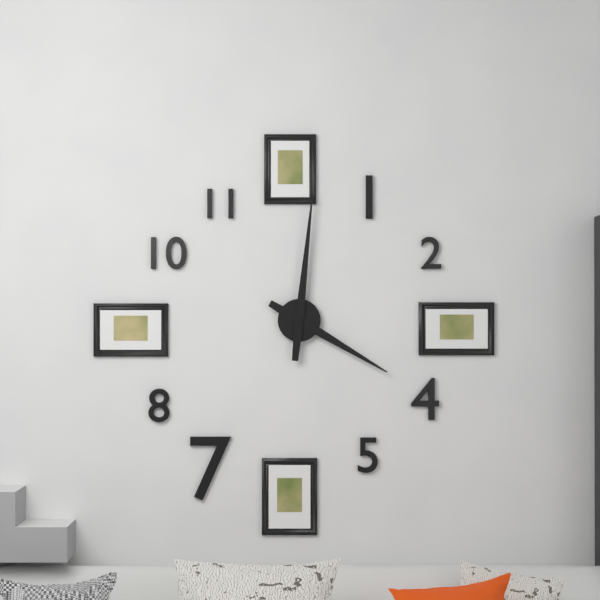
4:01
